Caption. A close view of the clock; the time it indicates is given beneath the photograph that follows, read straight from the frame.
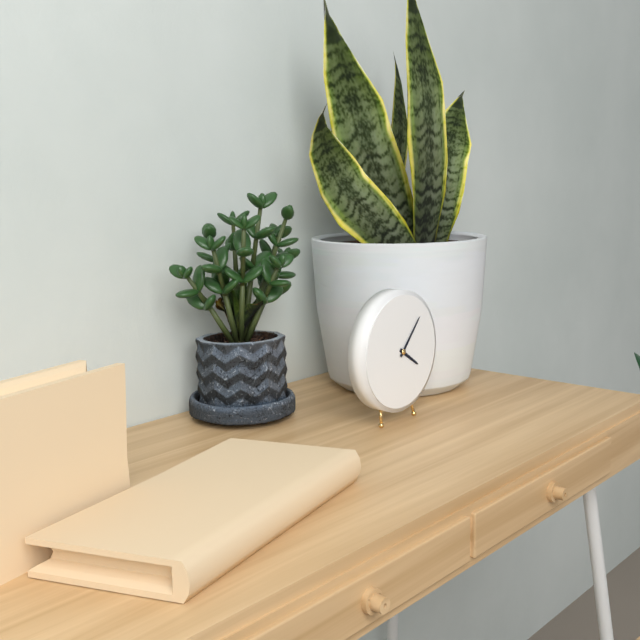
4:07
